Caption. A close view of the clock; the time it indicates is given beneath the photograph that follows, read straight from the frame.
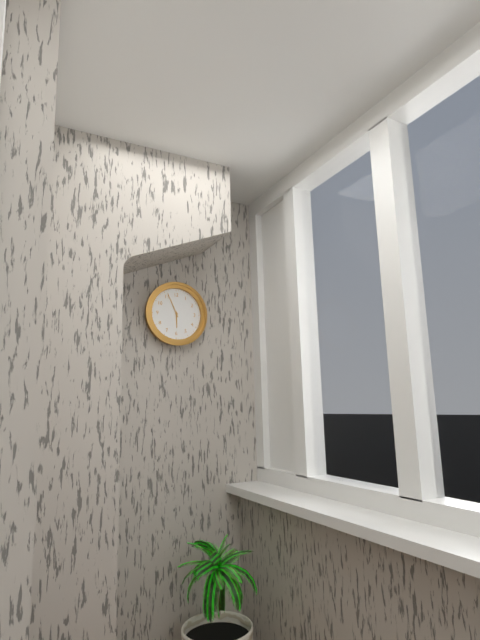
5:56
